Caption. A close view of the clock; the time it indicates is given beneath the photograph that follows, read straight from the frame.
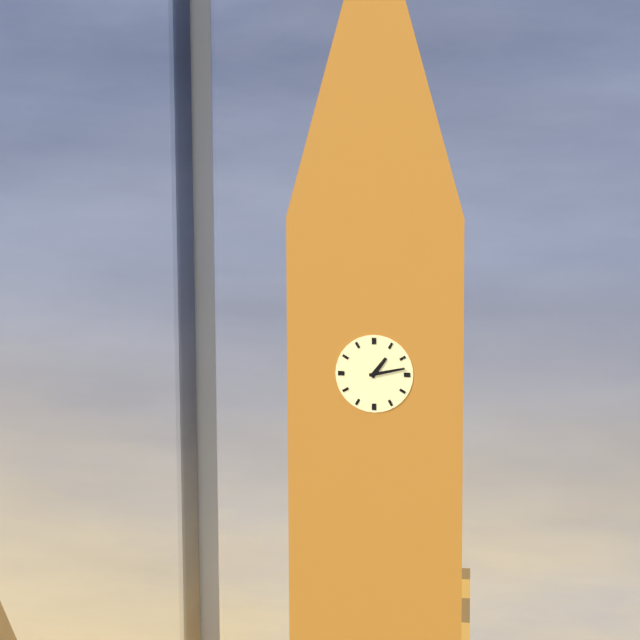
1:13
